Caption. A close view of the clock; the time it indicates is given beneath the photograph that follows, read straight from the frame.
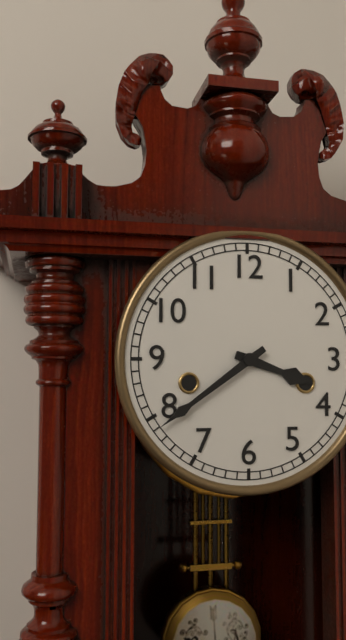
3:39
